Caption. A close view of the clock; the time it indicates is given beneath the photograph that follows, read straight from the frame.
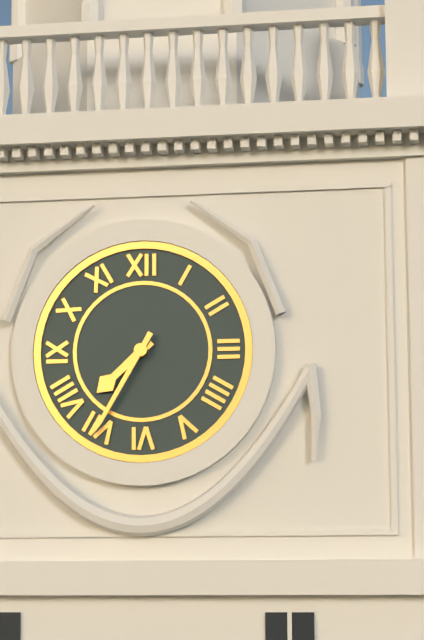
7:35
